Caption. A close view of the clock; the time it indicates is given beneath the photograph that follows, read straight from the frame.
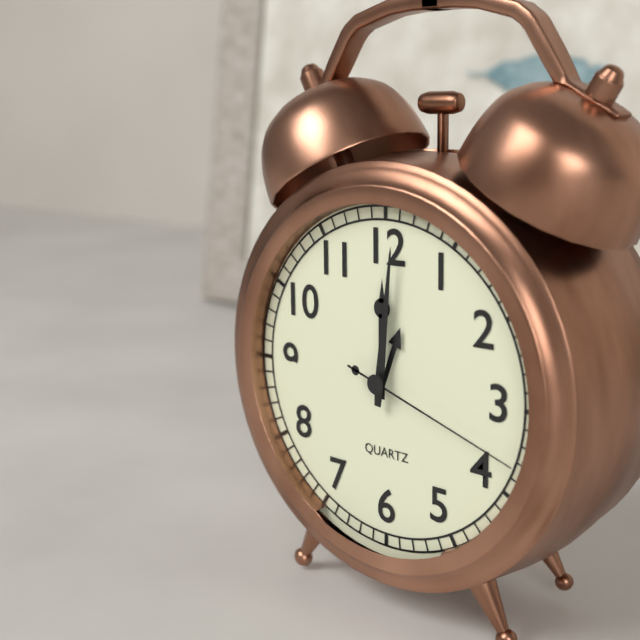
12:01:18
